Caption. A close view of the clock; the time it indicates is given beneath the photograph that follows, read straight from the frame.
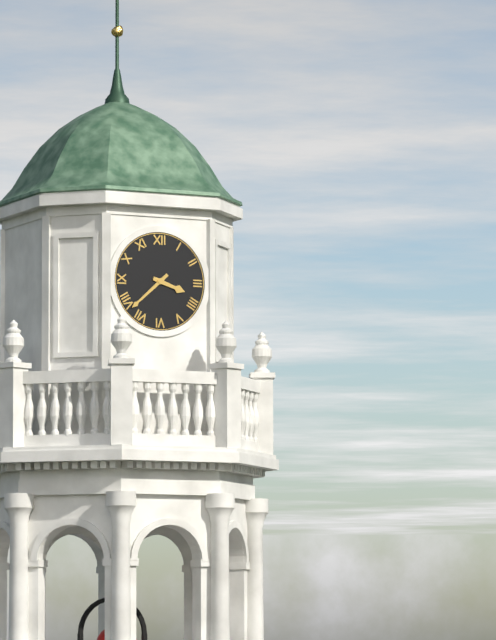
3:38
